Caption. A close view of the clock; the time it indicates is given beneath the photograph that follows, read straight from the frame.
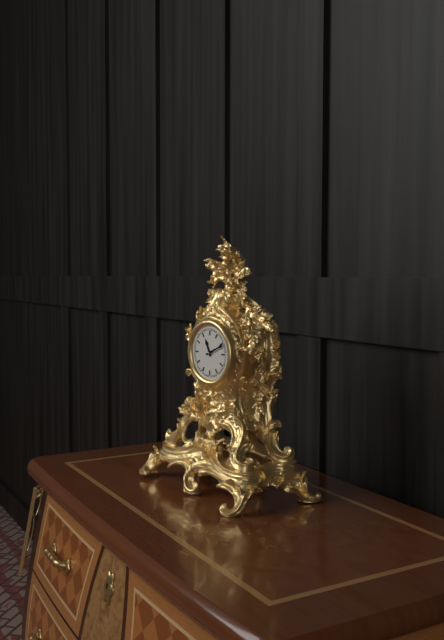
11:11
